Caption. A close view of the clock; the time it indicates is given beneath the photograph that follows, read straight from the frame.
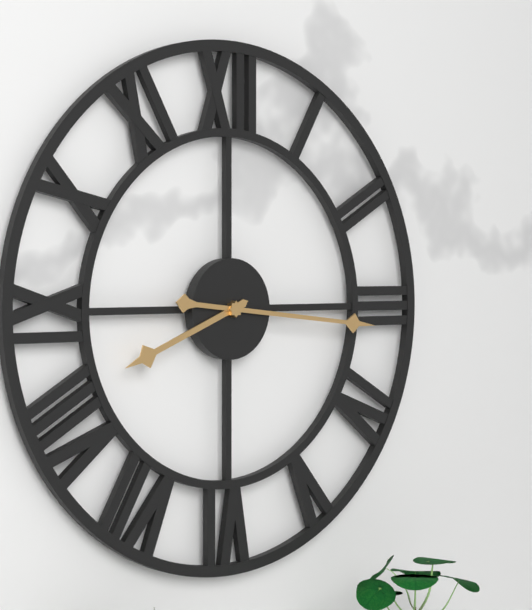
8:16
